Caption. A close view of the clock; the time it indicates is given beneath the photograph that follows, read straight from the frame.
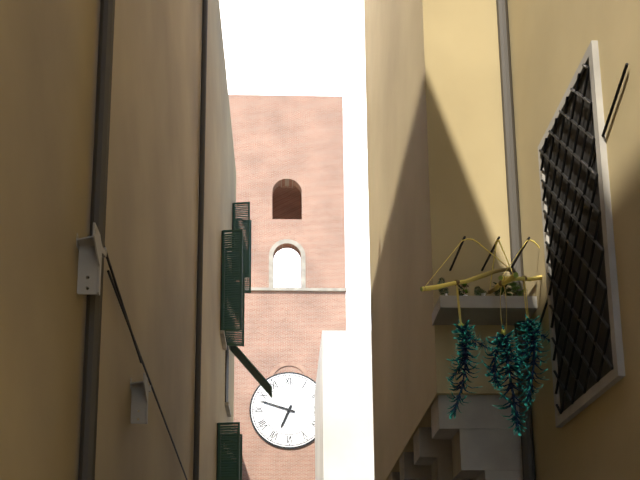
6:48
